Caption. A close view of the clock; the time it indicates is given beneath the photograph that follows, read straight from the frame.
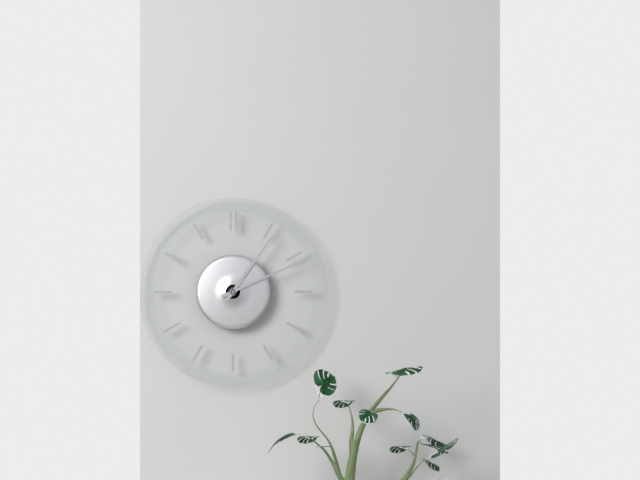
1:11
